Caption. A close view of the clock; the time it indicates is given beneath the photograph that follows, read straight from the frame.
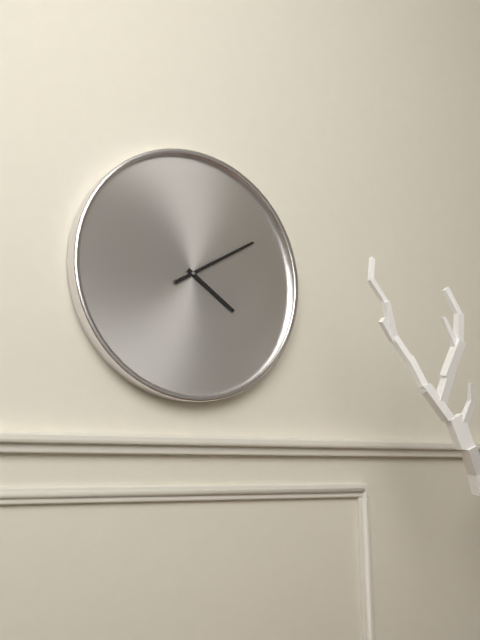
4:10
